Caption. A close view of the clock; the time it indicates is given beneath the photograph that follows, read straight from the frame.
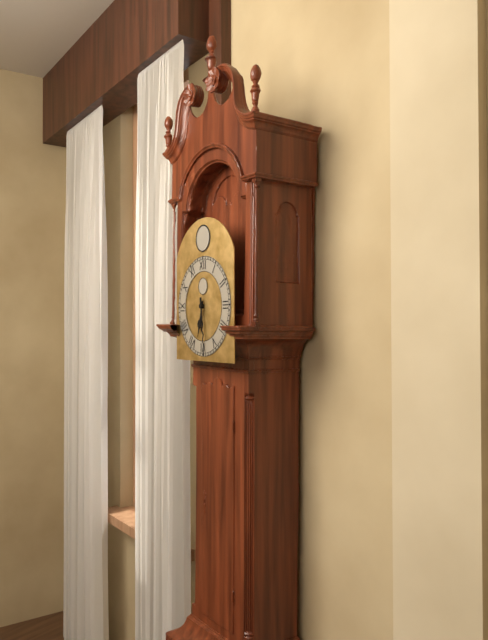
6:29
